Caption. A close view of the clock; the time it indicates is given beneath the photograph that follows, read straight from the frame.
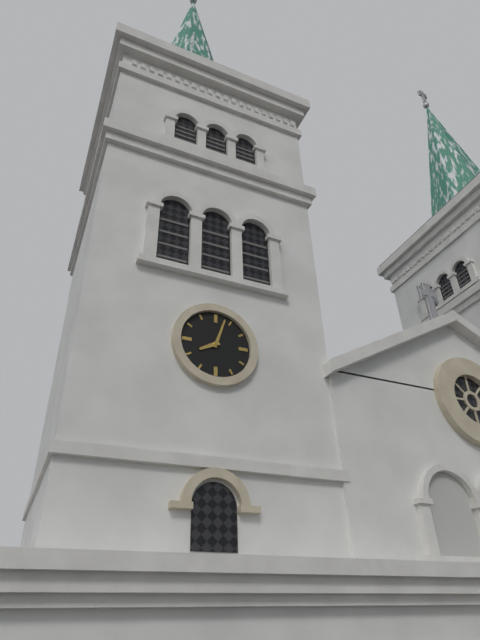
8:03
